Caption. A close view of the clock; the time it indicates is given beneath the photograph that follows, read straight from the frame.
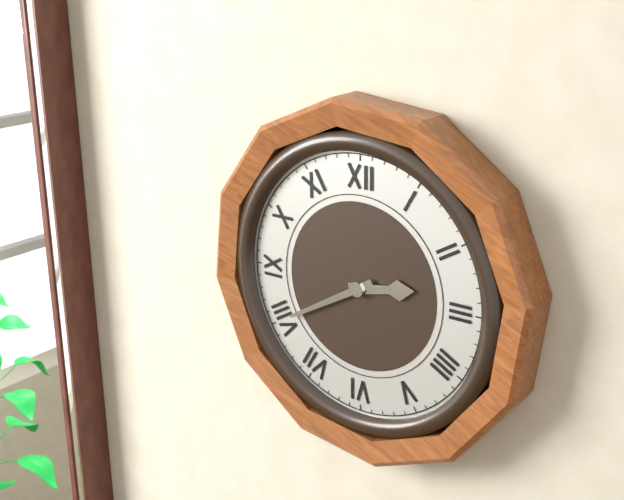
2:40
